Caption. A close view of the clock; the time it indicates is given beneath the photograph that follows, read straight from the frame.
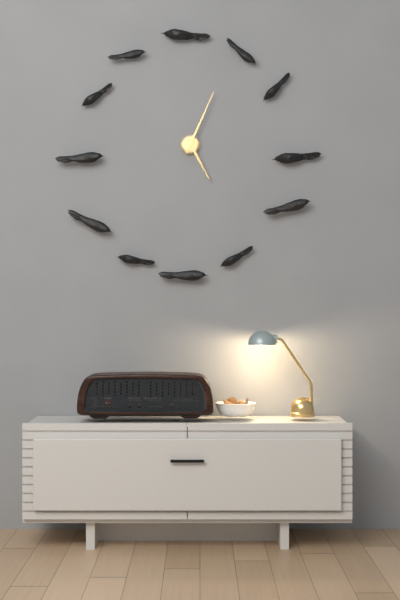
5:04
